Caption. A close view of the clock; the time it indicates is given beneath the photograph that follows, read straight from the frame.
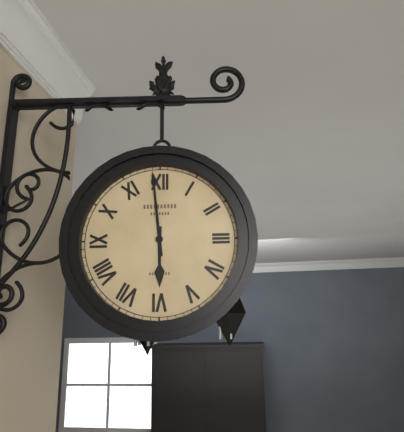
5:59
